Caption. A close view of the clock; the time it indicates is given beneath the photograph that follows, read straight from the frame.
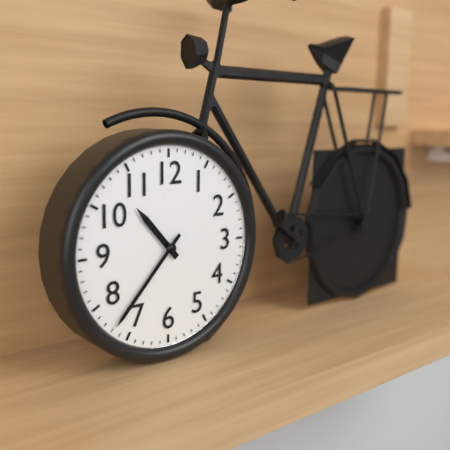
10:37
